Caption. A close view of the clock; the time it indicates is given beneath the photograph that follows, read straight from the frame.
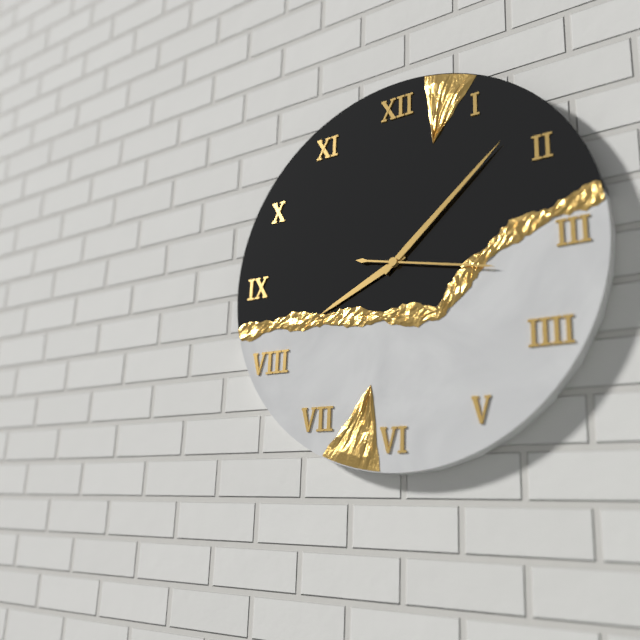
8:08:17
